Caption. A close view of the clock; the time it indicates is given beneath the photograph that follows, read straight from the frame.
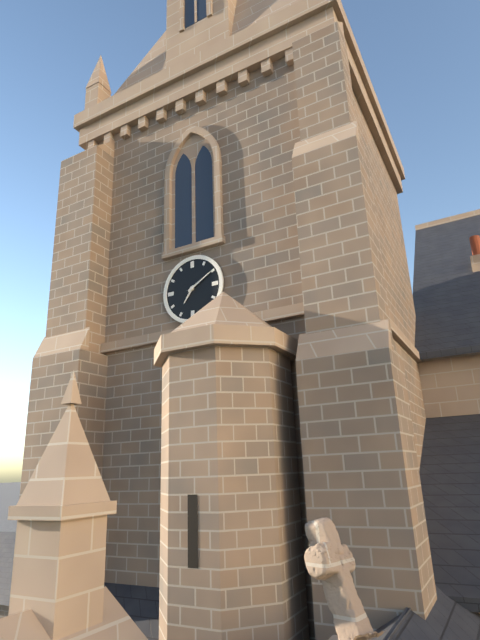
7:10
